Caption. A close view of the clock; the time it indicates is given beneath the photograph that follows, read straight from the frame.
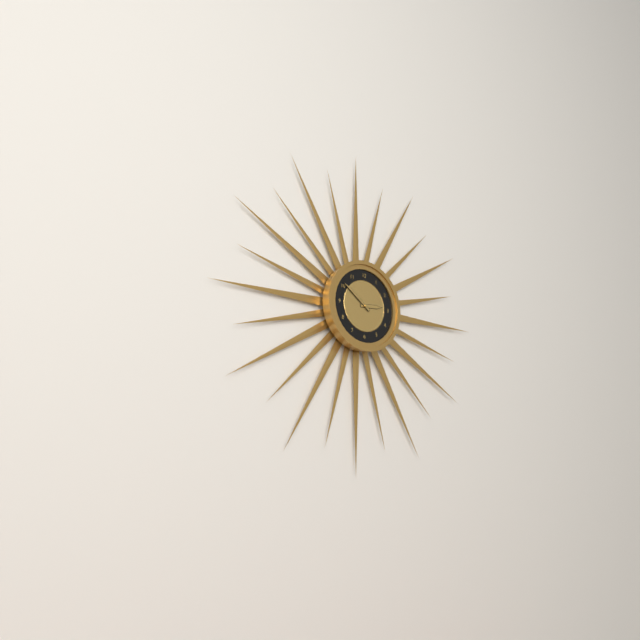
2:51
